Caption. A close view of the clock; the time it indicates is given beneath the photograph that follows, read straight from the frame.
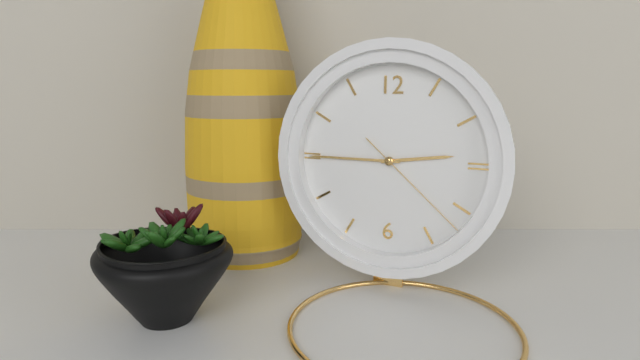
2:45:22
